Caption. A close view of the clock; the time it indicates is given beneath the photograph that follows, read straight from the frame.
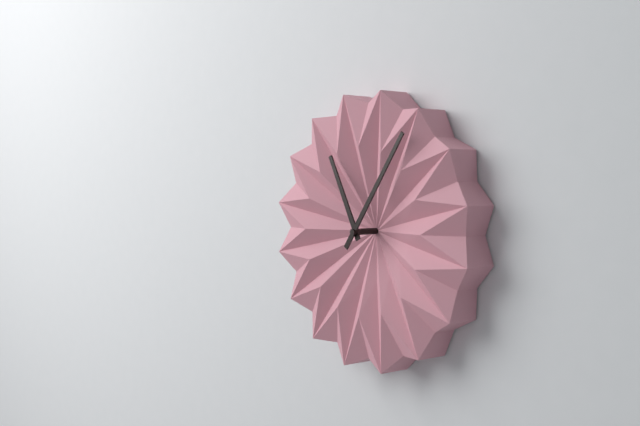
11:06
